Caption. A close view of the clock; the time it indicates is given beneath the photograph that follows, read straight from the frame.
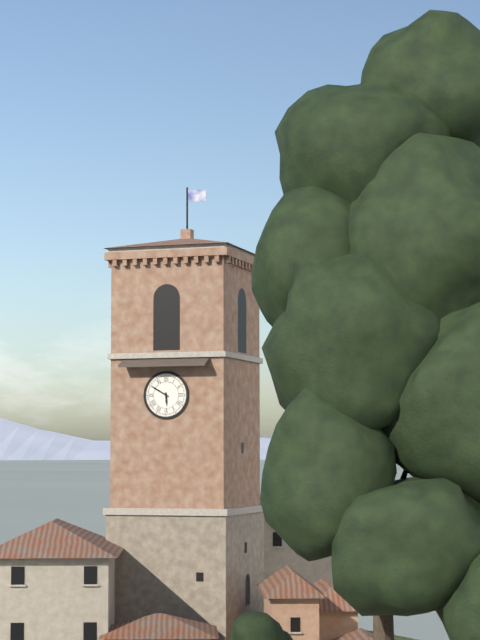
5:50
